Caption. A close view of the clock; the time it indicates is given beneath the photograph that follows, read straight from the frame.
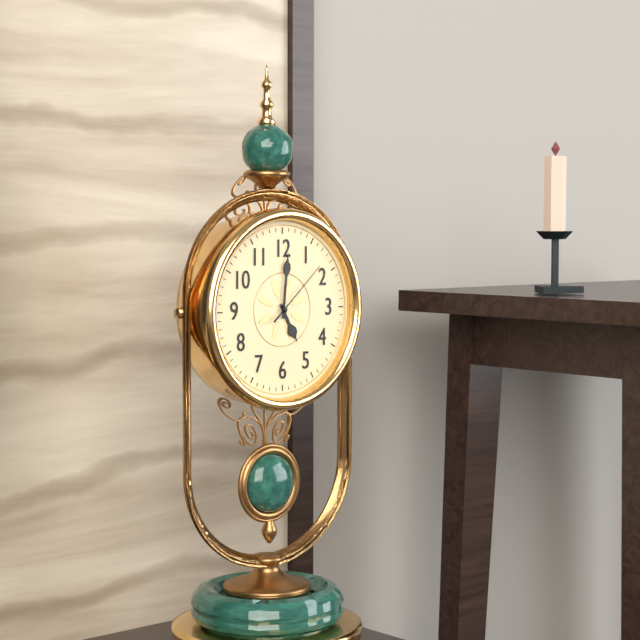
5:01:08
